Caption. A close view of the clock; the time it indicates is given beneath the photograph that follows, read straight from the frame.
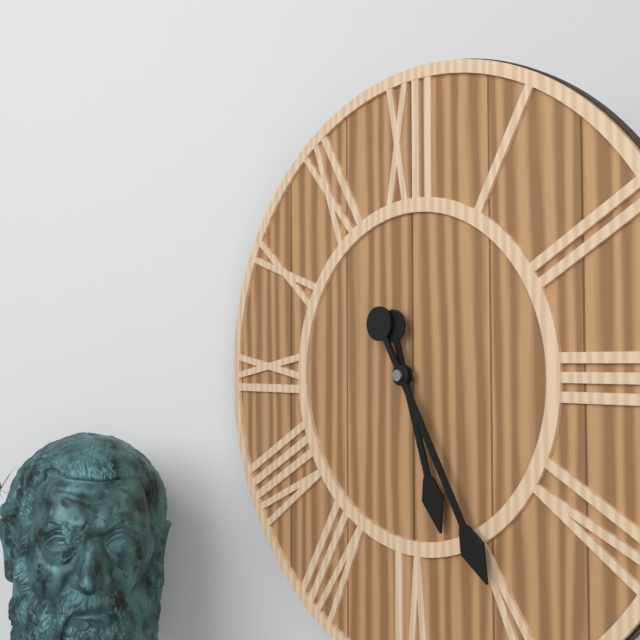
5:25
